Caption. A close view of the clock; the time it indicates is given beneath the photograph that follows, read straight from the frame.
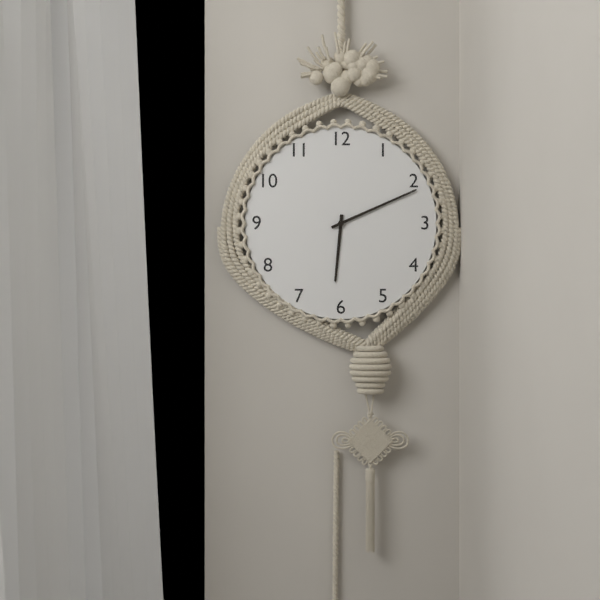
6:11
